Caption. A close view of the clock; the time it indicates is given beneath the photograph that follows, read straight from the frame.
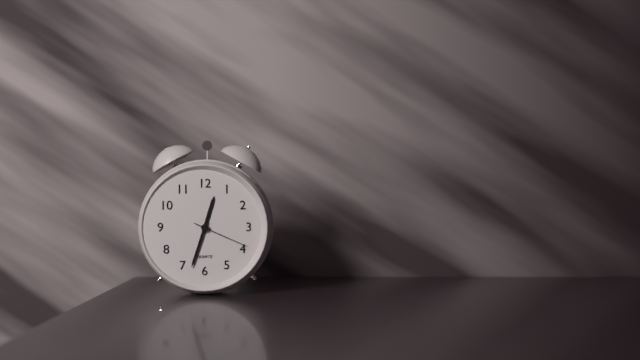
12:33:19
